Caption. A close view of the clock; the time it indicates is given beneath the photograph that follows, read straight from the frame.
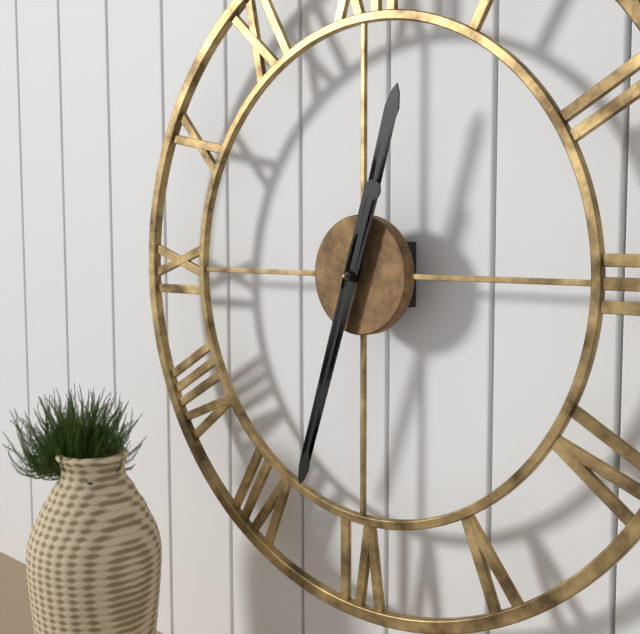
12:33
